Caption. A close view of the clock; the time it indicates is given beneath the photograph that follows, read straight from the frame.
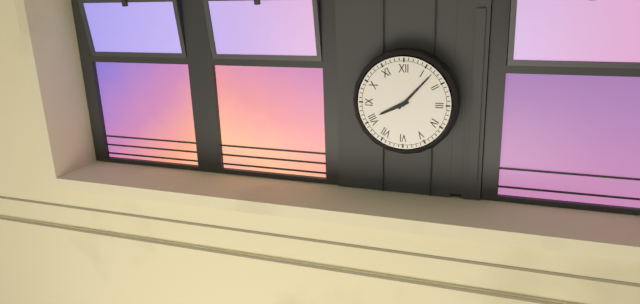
8:07
